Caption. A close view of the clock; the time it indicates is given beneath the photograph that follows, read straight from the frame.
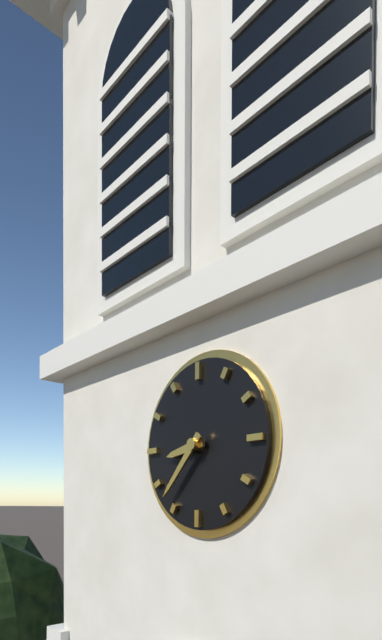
8:37
